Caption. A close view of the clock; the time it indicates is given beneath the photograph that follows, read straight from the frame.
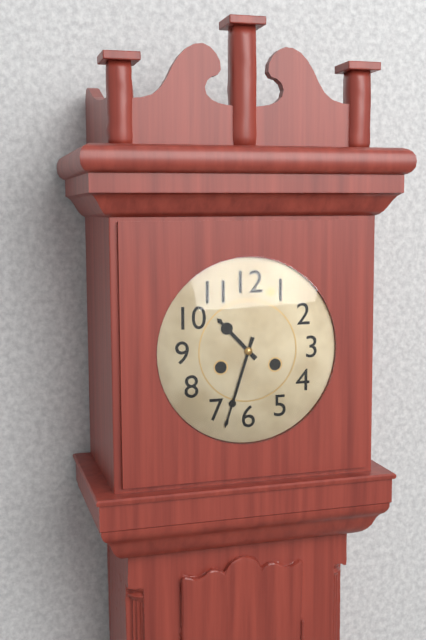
10:33
